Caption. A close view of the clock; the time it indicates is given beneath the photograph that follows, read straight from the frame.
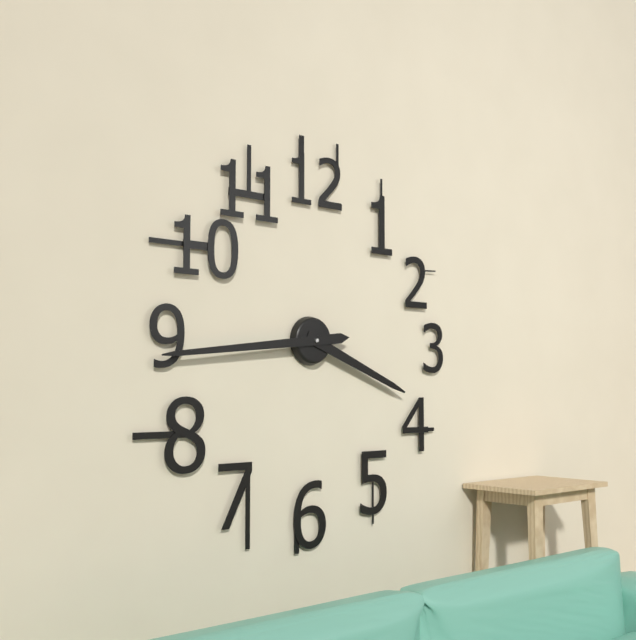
3:44
